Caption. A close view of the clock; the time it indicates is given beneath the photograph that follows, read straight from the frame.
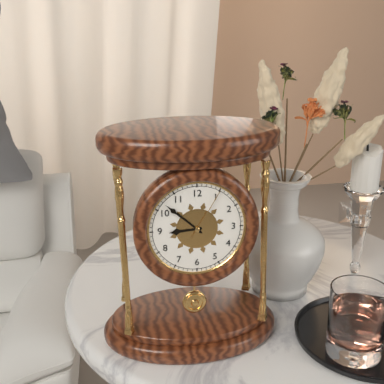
8:52:05
